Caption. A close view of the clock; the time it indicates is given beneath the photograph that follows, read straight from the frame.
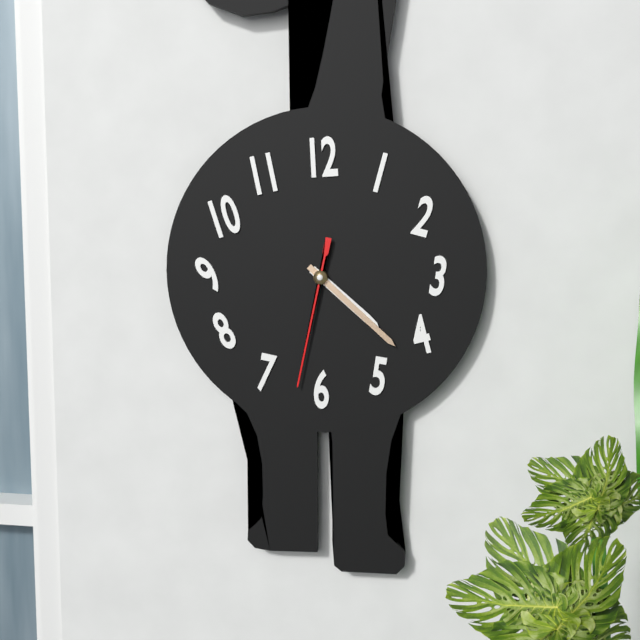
4:22:32
